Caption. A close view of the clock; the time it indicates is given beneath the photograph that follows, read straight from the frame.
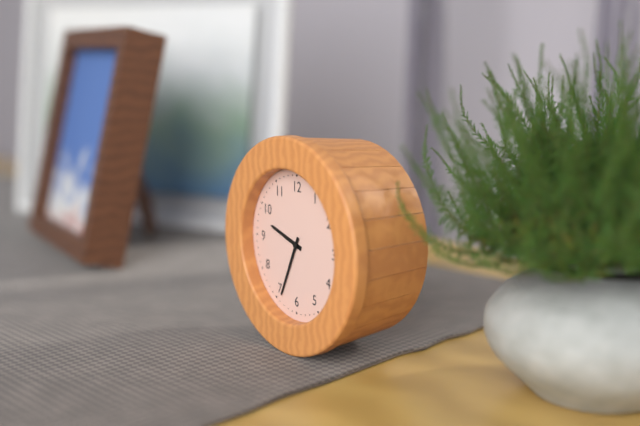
9:34
